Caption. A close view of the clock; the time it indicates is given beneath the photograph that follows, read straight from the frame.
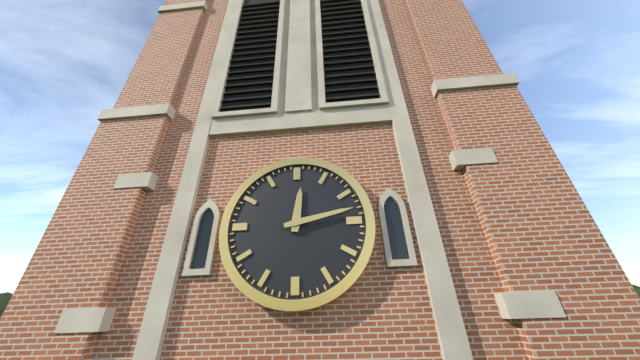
12:13
